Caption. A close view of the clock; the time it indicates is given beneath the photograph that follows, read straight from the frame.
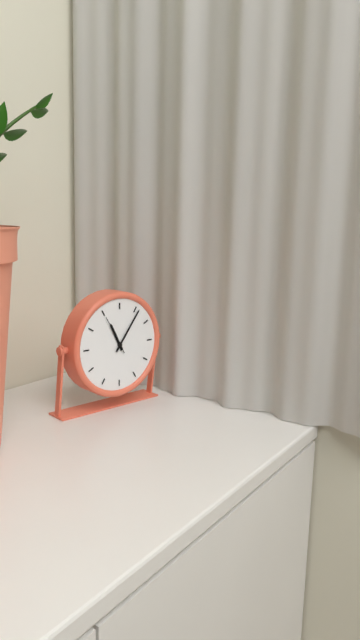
11:06
